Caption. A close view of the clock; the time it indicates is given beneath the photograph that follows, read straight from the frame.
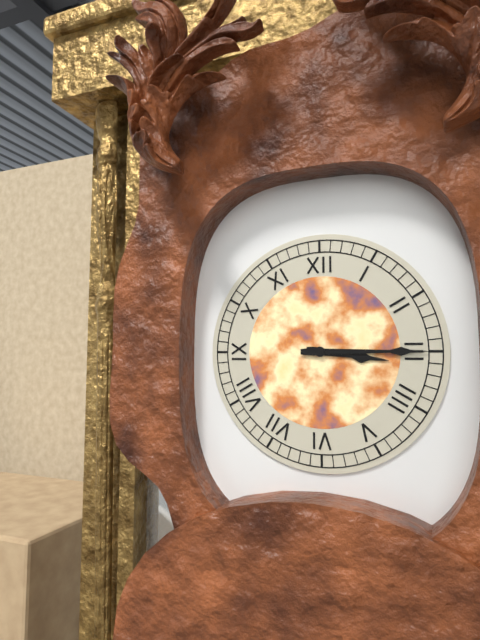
3:15
